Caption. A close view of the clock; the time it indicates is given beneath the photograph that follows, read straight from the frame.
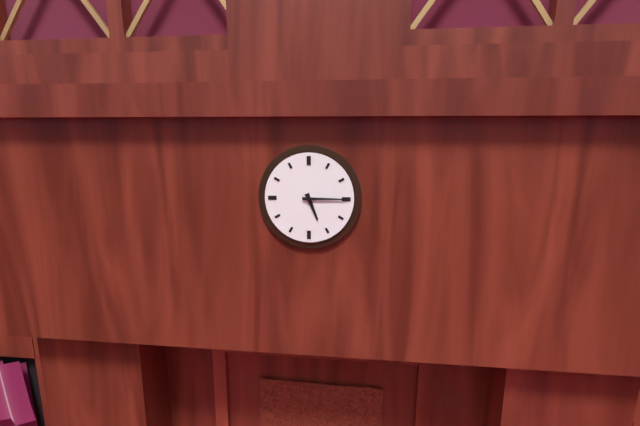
5:15
